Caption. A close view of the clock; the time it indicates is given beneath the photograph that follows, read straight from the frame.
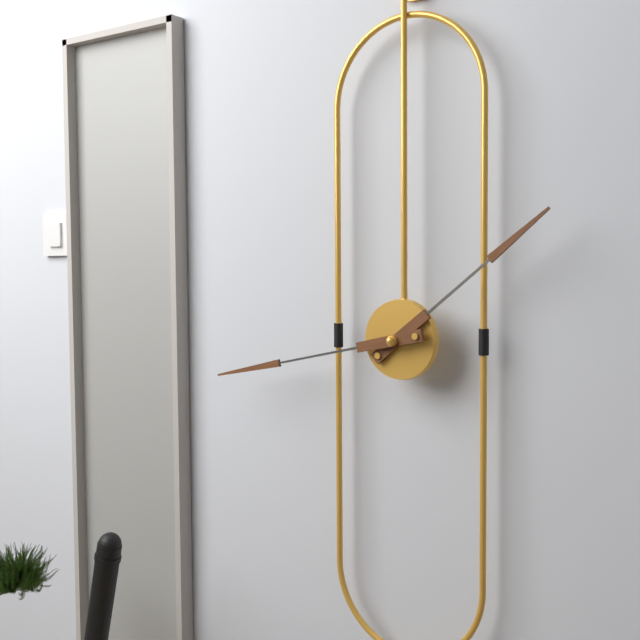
1:43
